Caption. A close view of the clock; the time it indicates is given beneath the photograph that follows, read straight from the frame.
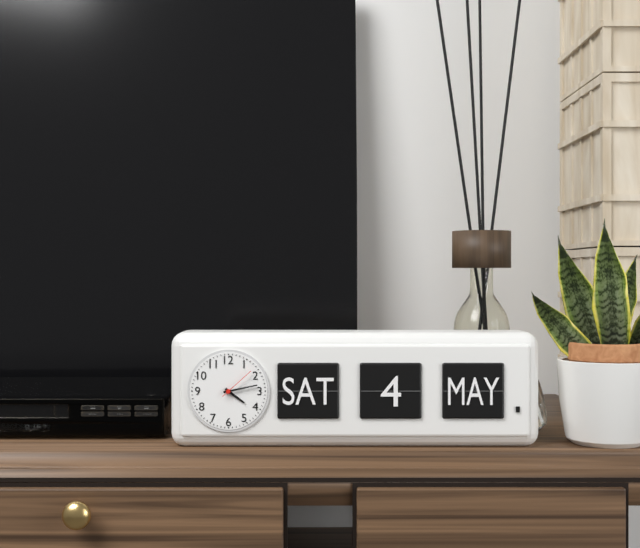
4:13
